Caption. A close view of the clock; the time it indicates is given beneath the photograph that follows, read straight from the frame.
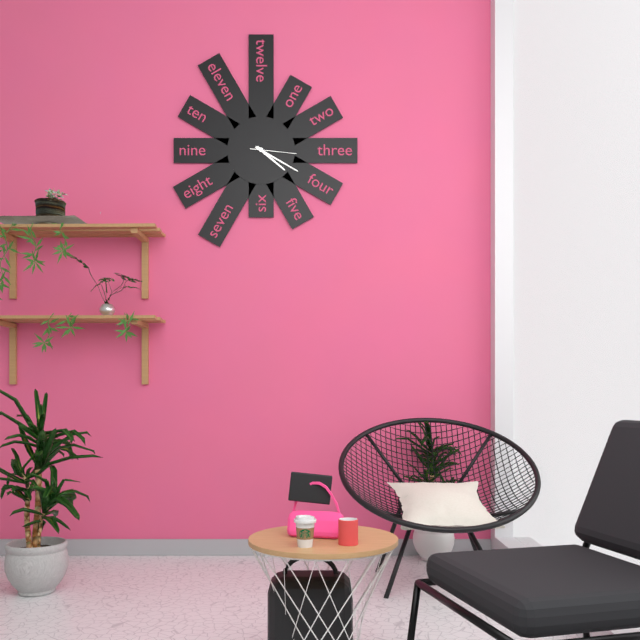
4:20
